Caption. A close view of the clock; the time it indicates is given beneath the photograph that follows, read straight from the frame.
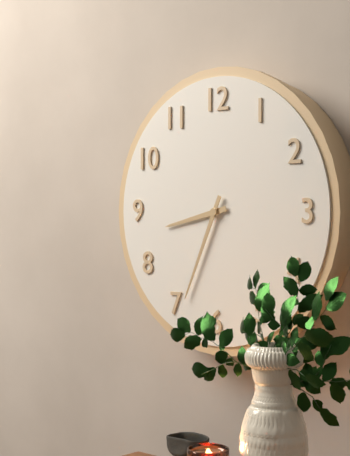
8:34
